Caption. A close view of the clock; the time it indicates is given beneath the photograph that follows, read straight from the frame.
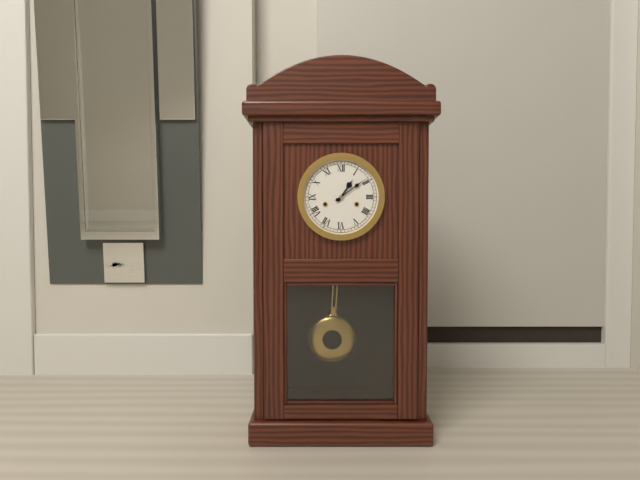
1:09
